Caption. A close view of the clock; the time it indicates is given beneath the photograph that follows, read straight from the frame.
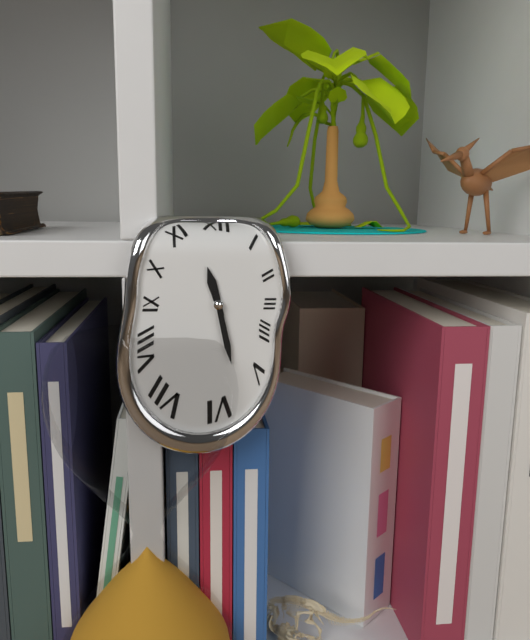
11:28
